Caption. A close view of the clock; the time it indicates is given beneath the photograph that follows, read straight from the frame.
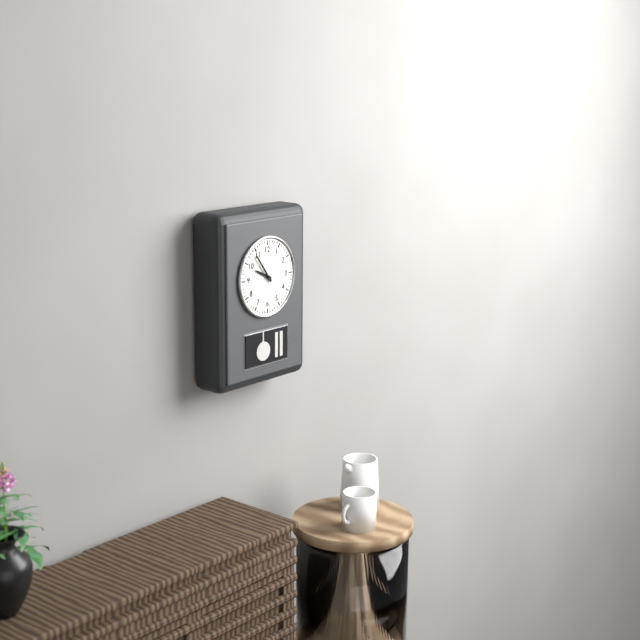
9:54
